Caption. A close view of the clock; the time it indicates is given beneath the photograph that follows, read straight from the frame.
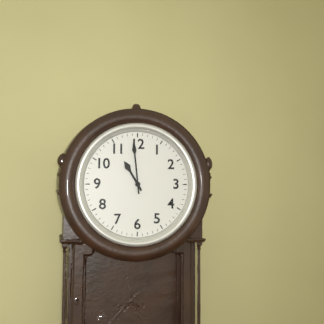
10:59
